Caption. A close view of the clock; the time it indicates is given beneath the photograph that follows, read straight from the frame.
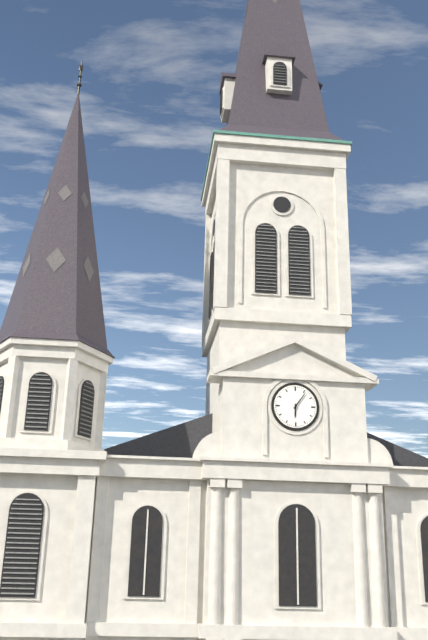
6:06
